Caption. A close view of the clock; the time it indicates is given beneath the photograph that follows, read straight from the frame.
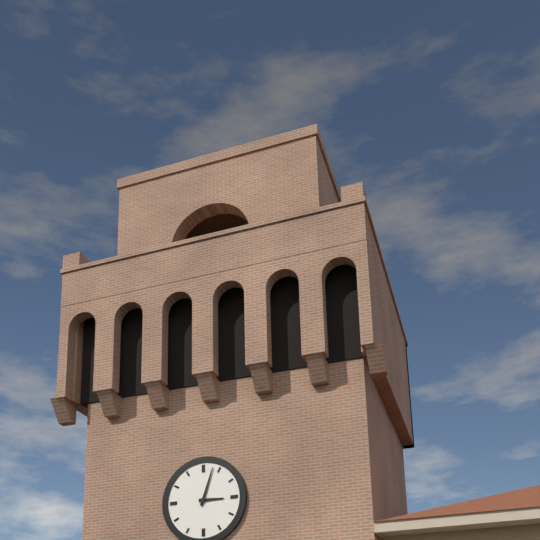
3:03
